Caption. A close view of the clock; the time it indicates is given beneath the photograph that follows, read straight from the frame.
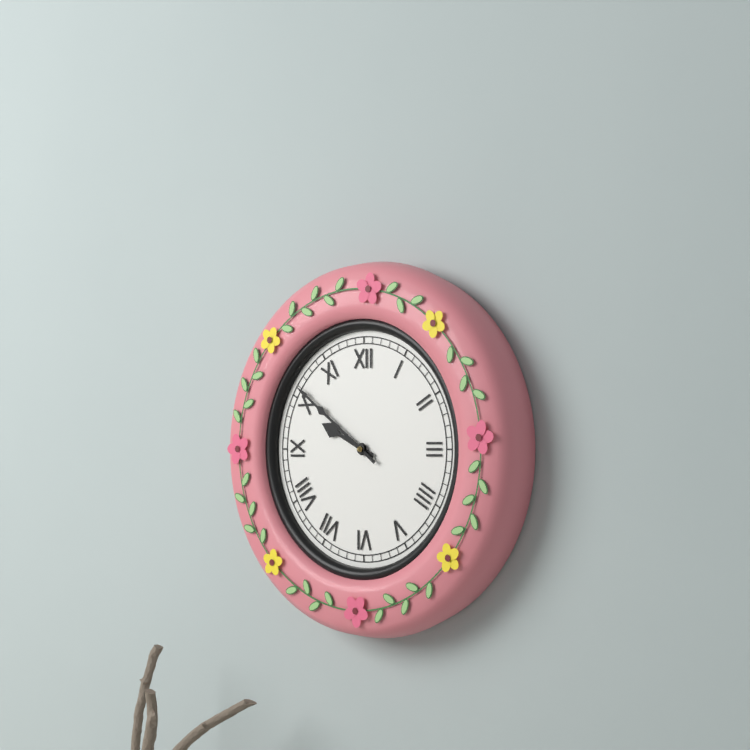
9:51
